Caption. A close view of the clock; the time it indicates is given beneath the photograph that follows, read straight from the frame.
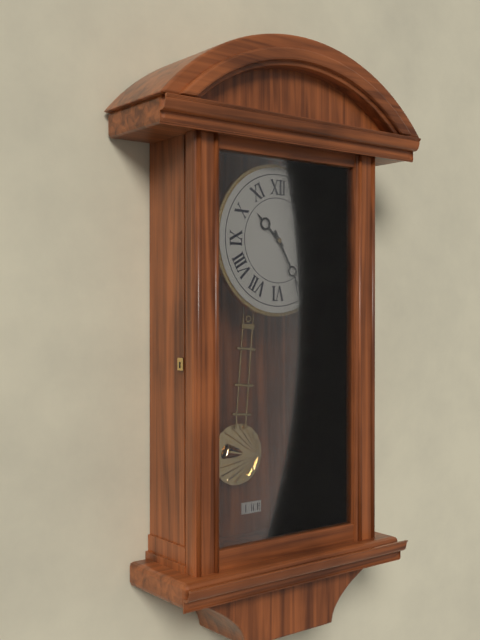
10:25
